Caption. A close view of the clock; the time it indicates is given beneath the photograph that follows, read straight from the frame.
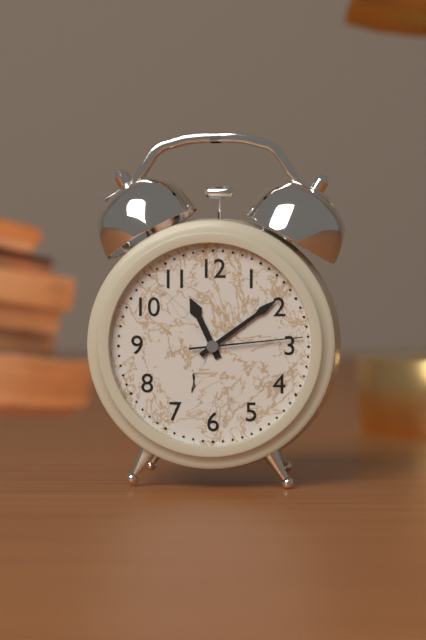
11:09:14
